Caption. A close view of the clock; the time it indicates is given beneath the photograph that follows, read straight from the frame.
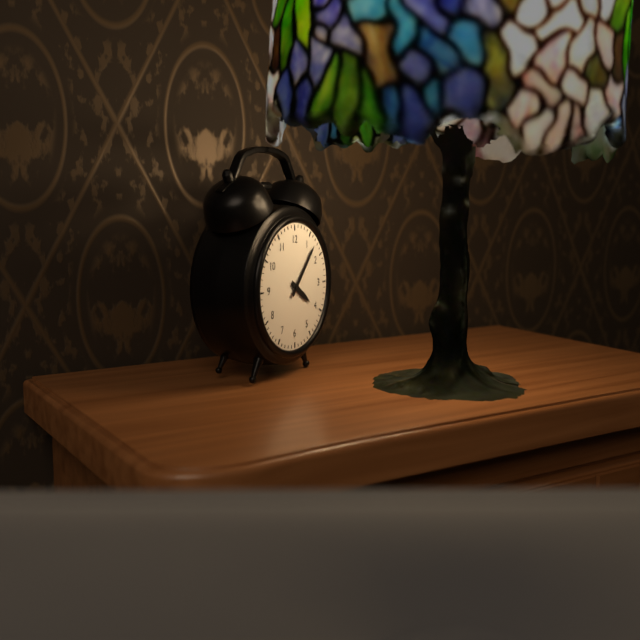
4:07
